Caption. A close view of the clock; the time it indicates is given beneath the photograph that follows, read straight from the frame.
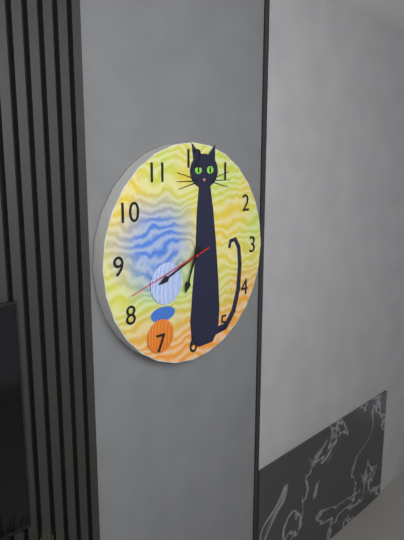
6:41:42
